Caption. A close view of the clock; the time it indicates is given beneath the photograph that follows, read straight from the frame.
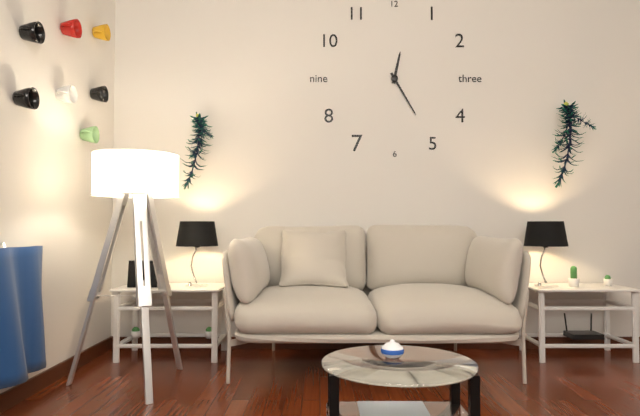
12:25
